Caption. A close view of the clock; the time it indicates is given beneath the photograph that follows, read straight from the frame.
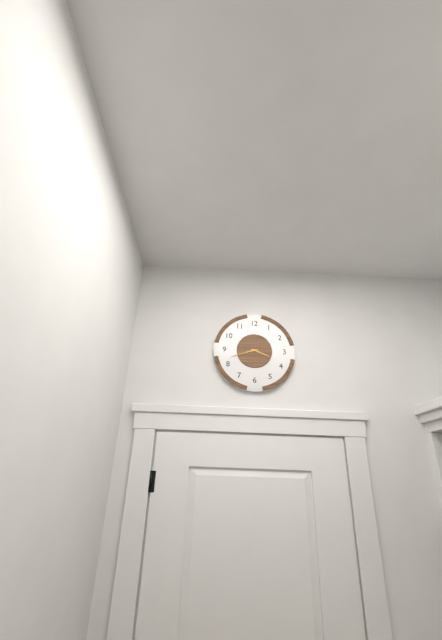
3:42
